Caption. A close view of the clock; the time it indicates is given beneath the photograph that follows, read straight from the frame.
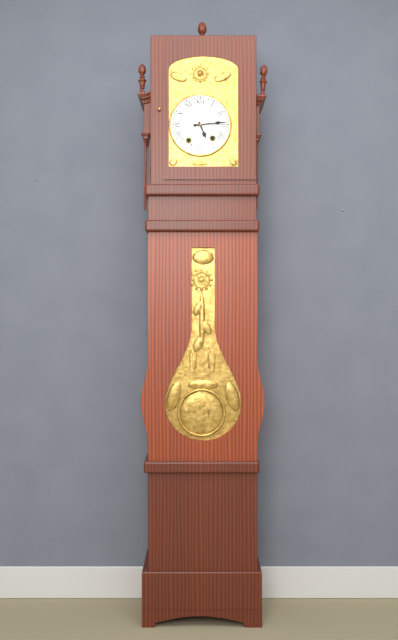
5:14
